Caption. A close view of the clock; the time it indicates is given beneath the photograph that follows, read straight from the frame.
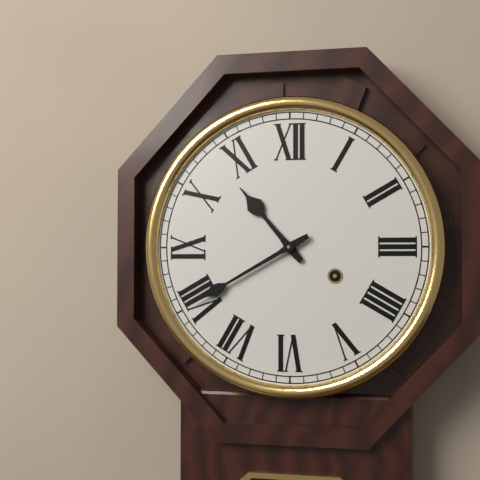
10:40
